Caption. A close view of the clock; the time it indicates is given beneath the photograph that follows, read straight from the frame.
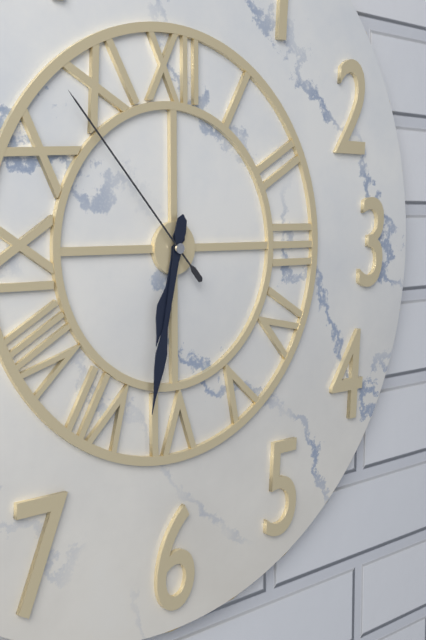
6:32:53
